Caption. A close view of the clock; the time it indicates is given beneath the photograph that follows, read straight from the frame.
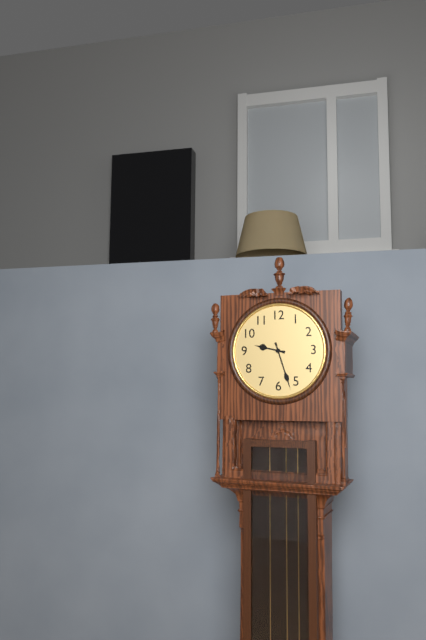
9:27
